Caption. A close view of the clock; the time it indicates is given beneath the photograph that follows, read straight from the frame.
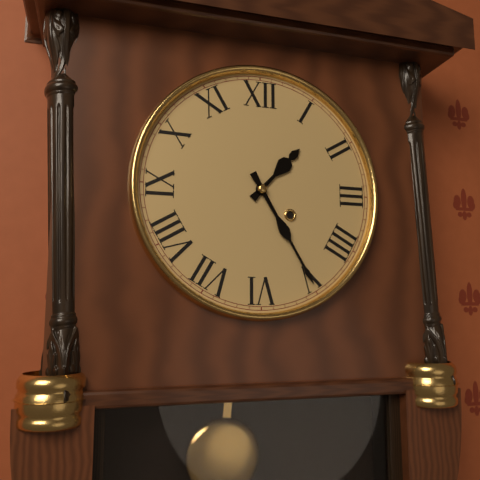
1:25
